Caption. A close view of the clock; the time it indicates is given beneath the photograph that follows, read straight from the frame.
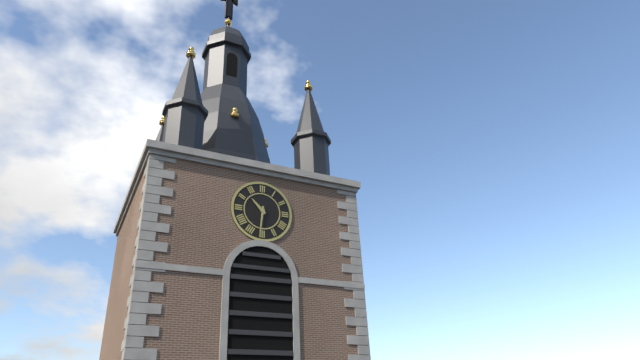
10:31
